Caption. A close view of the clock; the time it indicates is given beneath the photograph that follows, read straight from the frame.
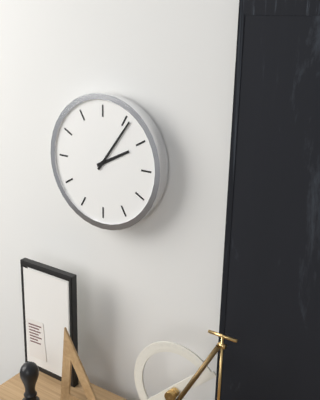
2:06
